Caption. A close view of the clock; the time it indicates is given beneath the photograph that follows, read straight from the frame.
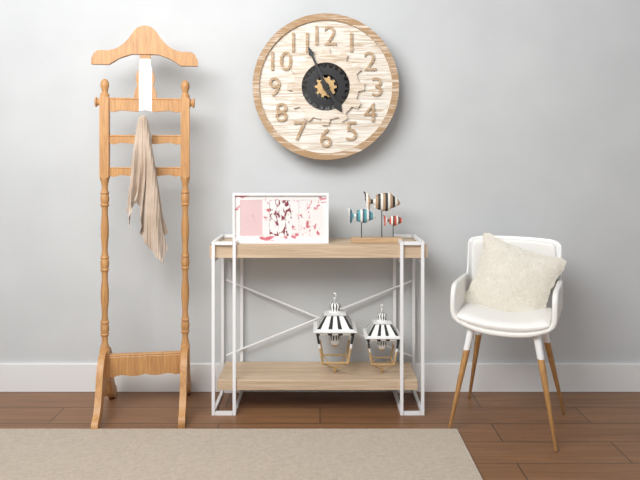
4:56
